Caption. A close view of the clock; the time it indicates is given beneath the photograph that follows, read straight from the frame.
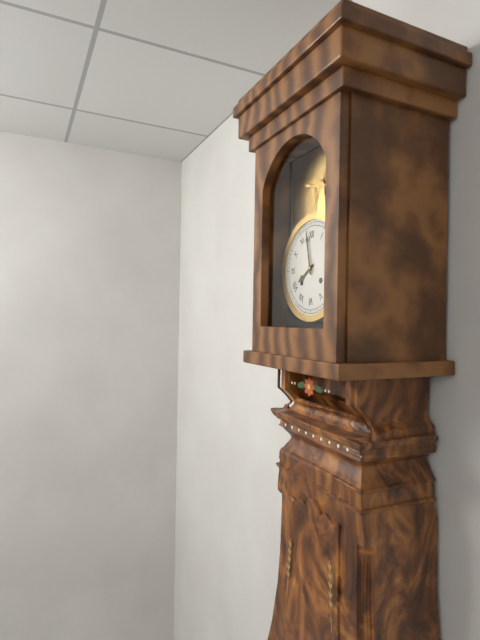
7:58
